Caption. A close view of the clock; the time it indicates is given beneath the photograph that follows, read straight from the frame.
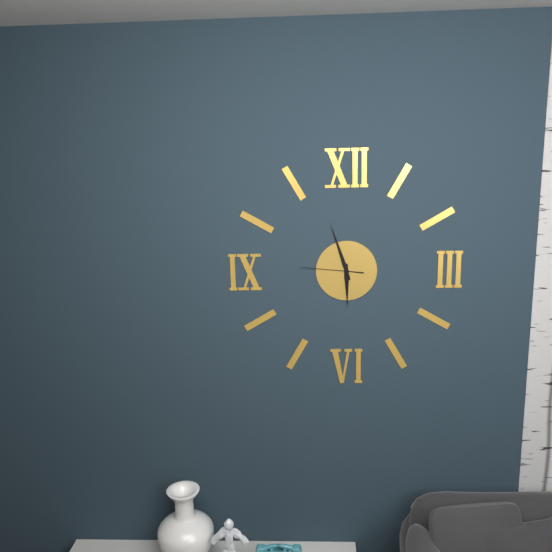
5:57:46
